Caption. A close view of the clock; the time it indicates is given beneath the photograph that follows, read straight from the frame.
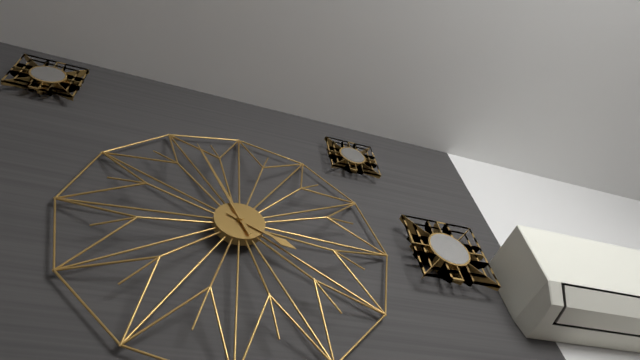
3:56
